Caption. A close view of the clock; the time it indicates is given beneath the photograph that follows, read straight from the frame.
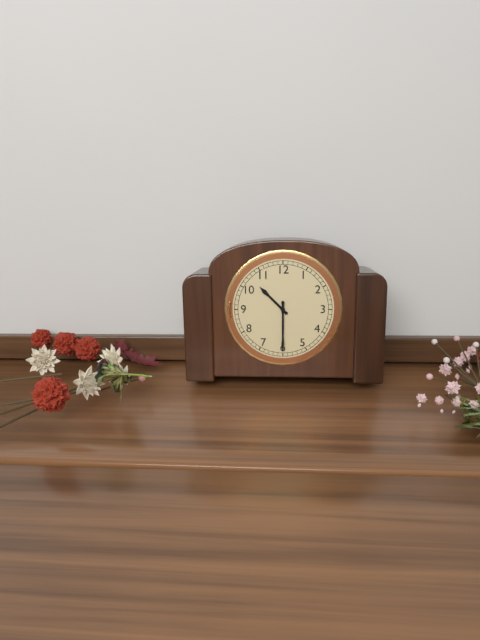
10:30
